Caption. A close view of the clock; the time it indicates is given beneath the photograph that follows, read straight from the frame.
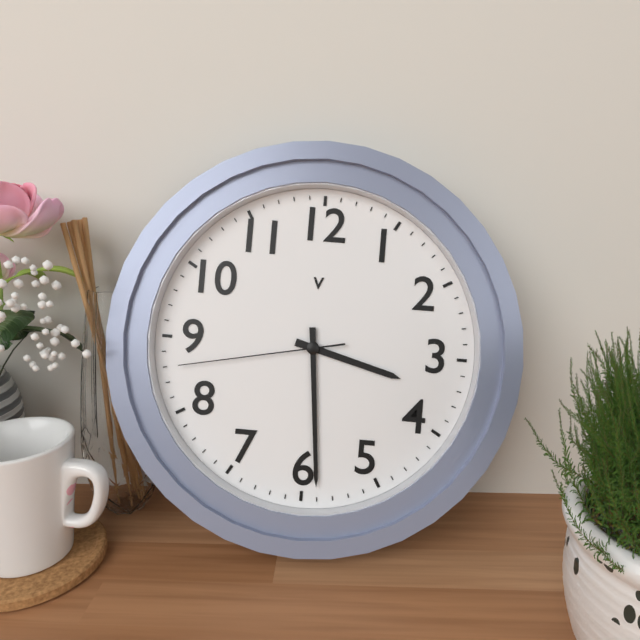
3:29:43
